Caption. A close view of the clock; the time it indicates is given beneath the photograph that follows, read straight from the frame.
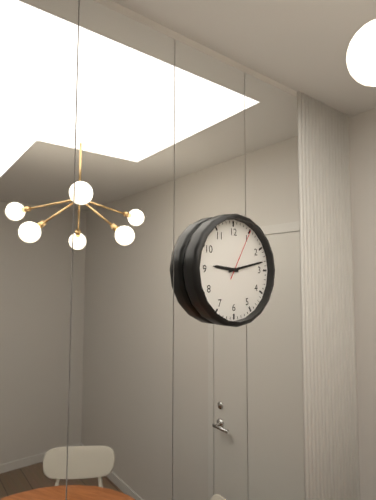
9:13:05
